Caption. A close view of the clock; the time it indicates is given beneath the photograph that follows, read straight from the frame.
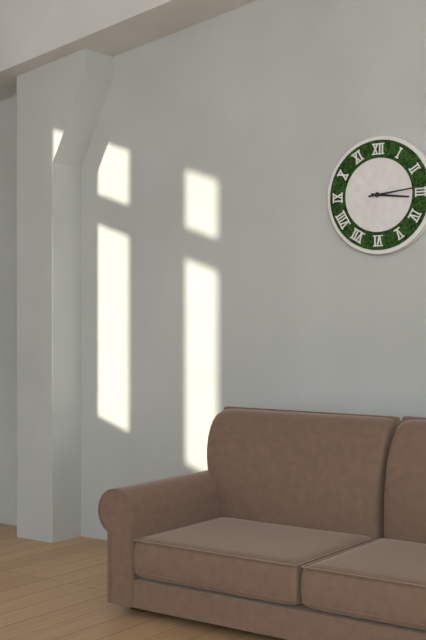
3:14
